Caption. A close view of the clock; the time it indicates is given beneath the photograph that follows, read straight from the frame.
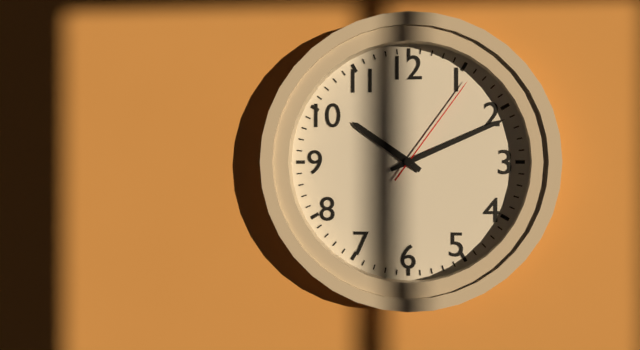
10:11:06
